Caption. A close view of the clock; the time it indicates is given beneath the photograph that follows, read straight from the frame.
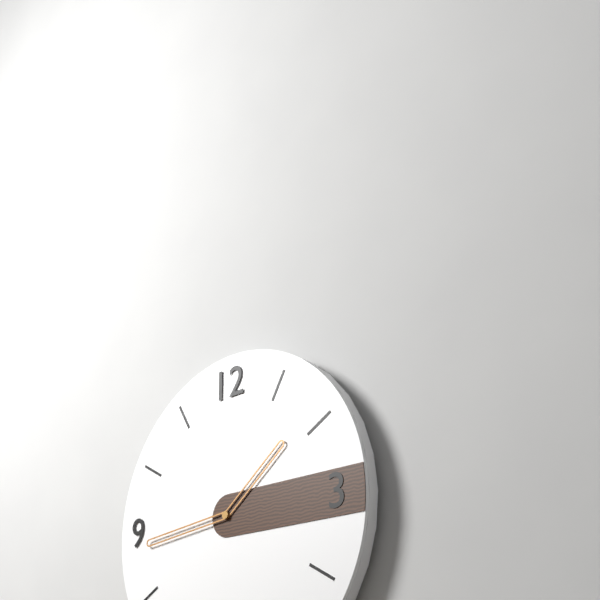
1:44
